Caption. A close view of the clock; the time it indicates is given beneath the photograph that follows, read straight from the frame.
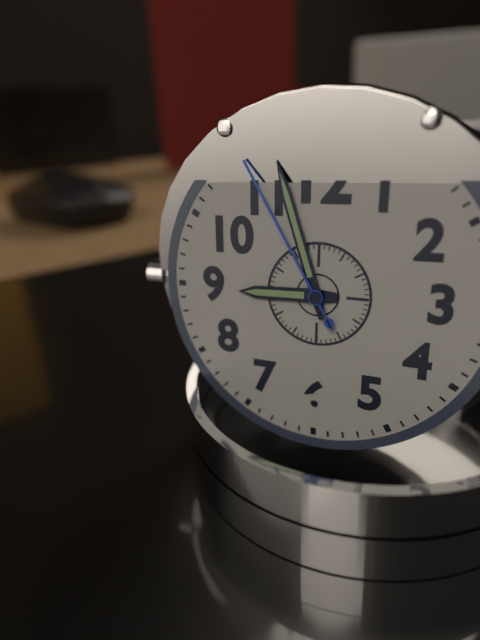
8:57:55
